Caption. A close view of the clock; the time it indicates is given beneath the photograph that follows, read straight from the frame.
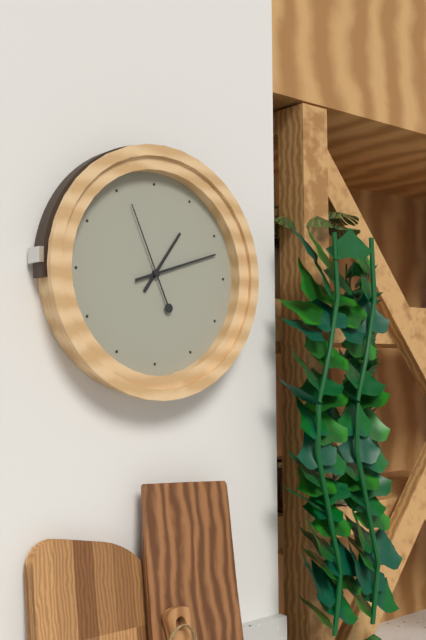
1:12:56
